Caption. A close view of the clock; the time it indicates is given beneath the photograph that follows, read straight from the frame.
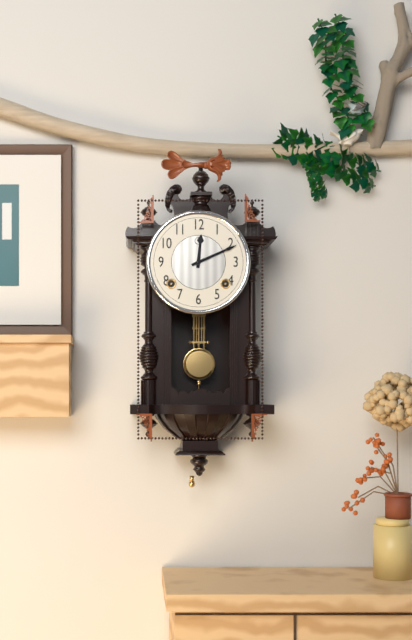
12:11
